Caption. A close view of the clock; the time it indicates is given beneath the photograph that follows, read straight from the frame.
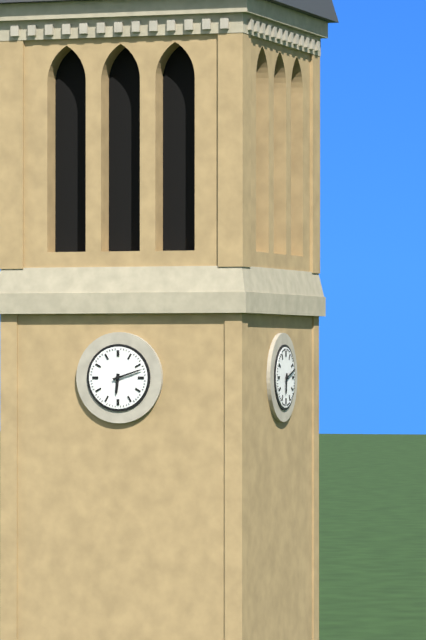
6:12
